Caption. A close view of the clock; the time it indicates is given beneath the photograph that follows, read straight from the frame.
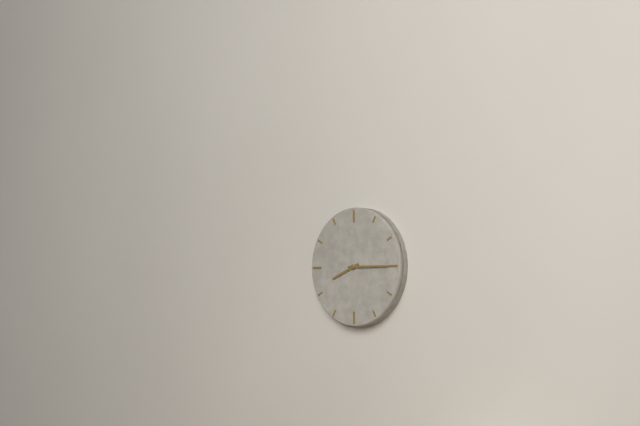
8:15
